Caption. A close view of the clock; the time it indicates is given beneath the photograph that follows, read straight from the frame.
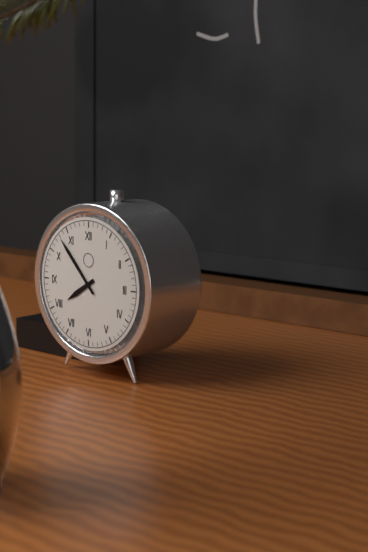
7:53
